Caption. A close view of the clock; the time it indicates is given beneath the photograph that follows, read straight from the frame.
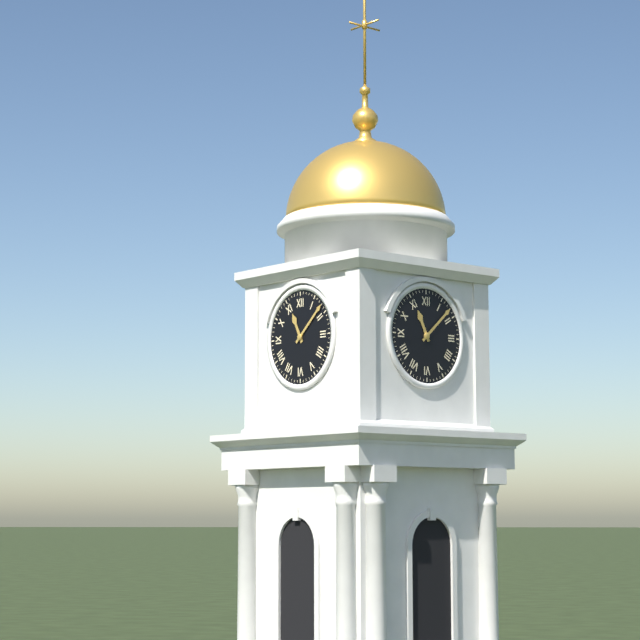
11:08
